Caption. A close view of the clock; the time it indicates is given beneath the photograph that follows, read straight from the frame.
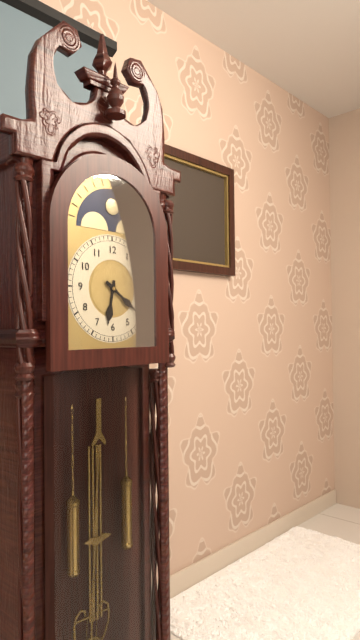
6:21
